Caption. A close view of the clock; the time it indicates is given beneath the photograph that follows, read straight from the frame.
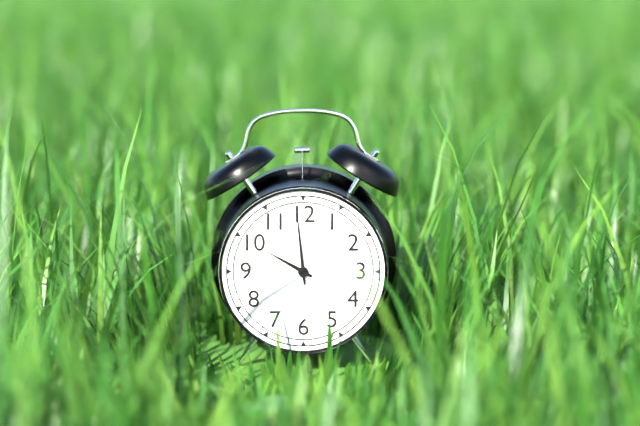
9:59
